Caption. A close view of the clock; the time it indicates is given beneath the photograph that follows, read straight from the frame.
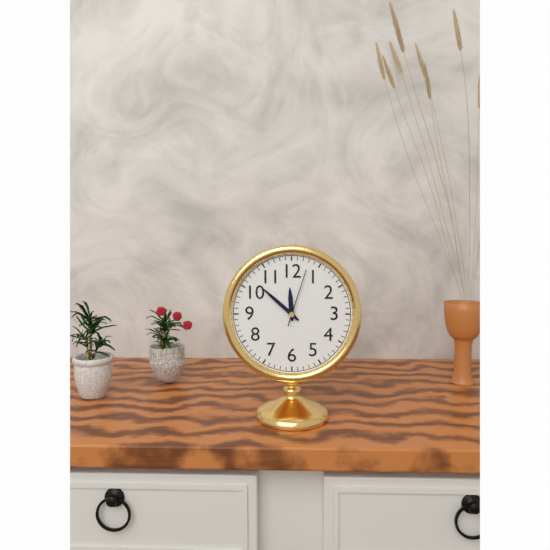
11:52:03
